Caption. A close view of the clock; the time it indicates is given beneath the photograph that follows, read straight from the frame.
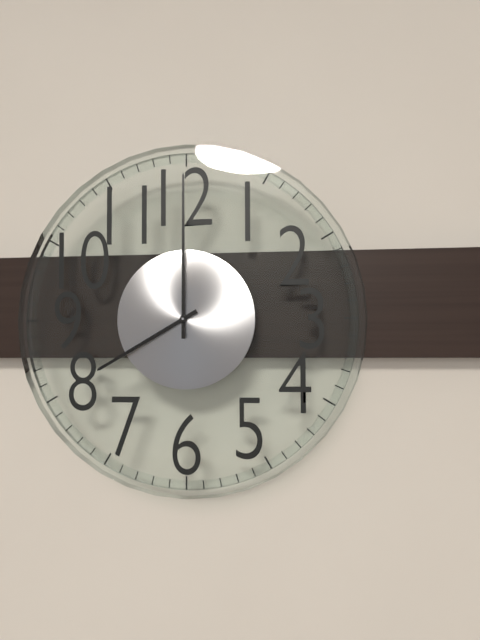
8:00
